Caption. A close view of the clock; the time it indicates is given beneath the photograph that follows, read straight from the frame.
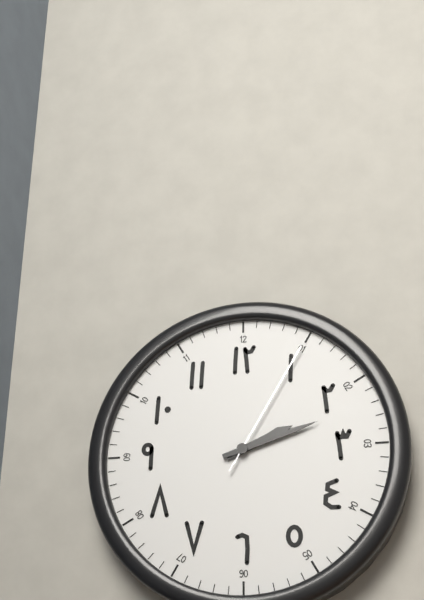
2:12:05
